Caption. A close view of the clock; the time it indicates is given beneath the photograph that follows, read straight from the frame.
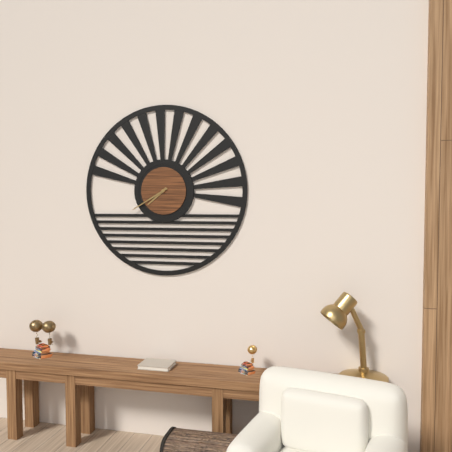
7:40
